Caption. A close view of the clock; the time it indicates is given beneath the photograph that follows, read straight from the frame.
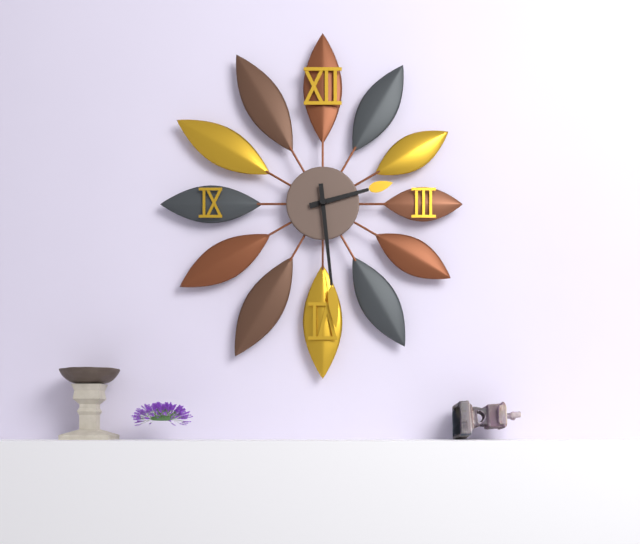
2:29
